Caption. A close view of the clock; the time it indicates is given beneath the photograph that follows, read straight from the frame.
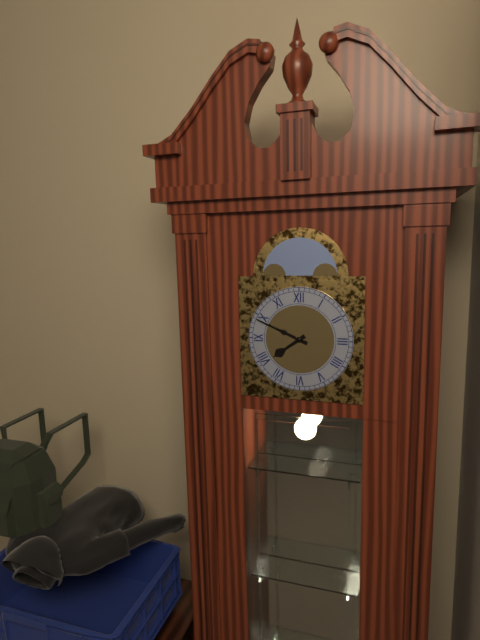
7:49
